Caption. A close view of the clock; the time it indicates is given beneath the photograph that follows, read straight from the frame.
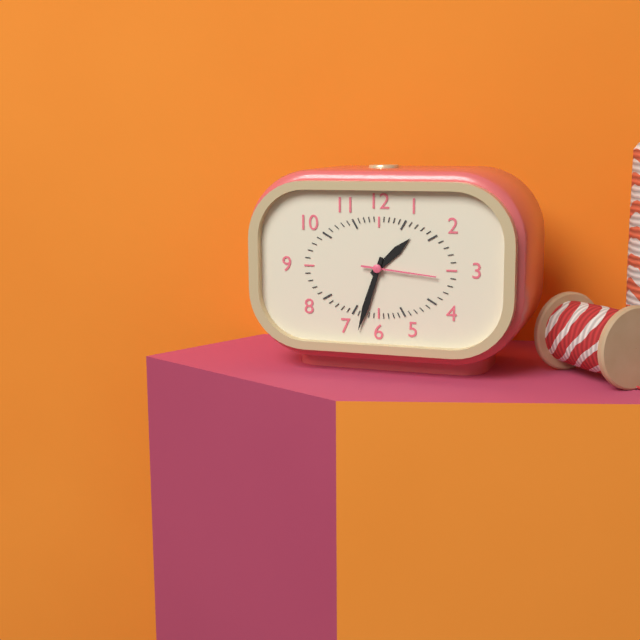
1:33:16
